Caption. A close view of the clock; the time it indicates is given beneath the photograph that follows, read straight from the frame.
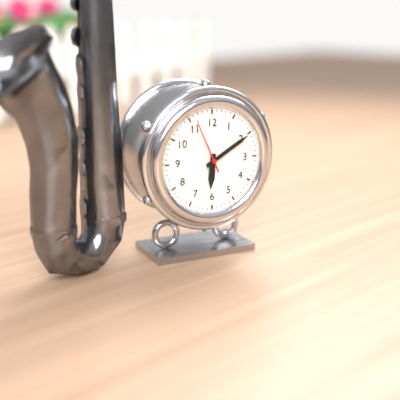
6:10:56
